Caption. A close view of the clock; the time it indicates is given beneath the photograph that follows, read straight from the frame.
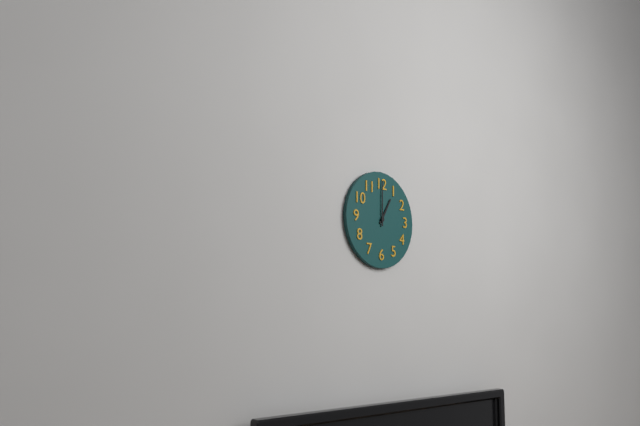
1:00
